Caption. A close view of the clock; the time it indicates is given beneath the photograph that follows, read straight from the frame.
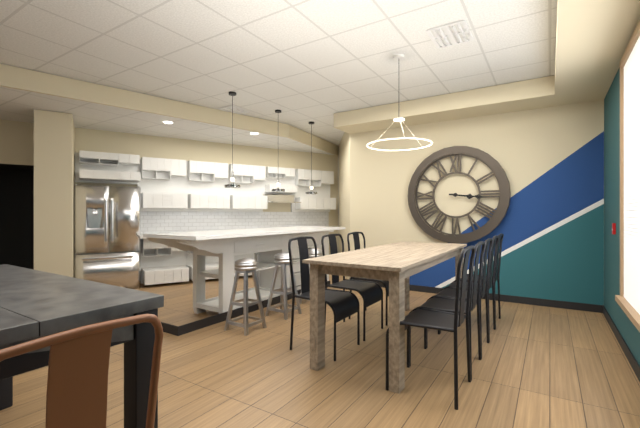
3:16
